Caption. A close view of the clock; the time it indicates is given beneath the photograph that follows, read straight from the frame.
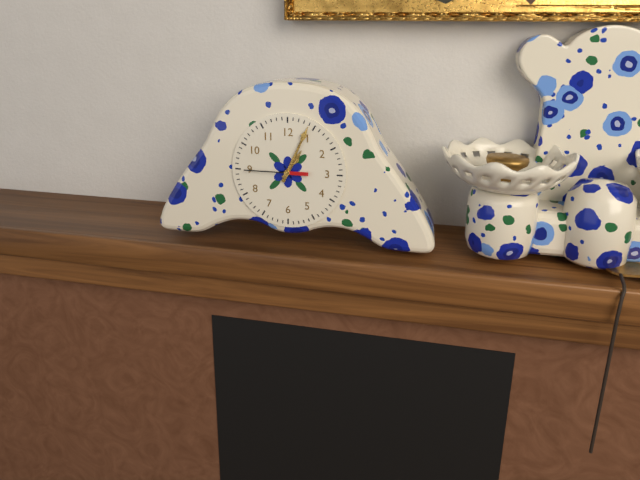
1:04:45
